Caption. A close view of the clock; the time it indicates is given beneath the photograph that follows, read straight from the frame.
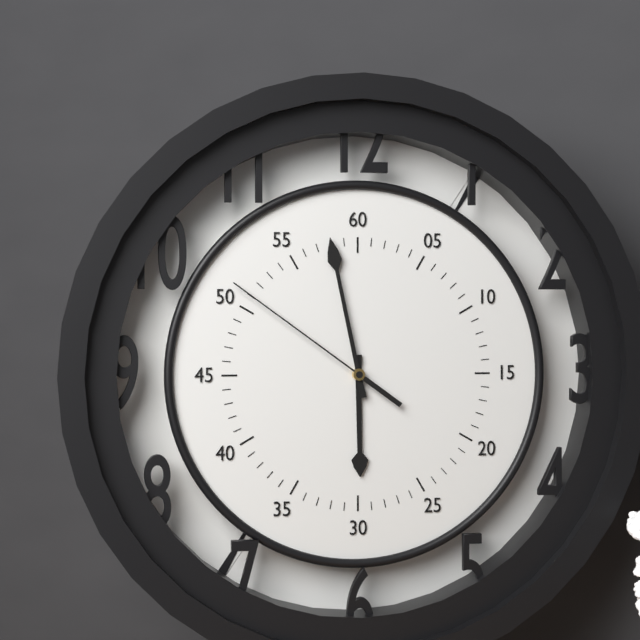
5:58:51
